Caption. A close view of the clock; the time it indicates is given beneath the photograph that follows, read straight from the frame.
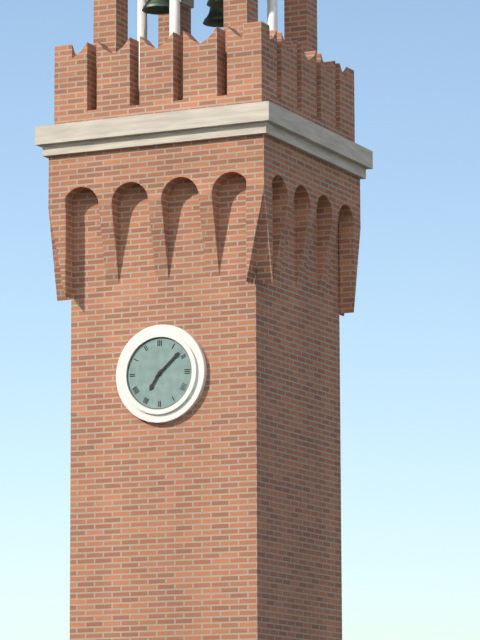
7:08
